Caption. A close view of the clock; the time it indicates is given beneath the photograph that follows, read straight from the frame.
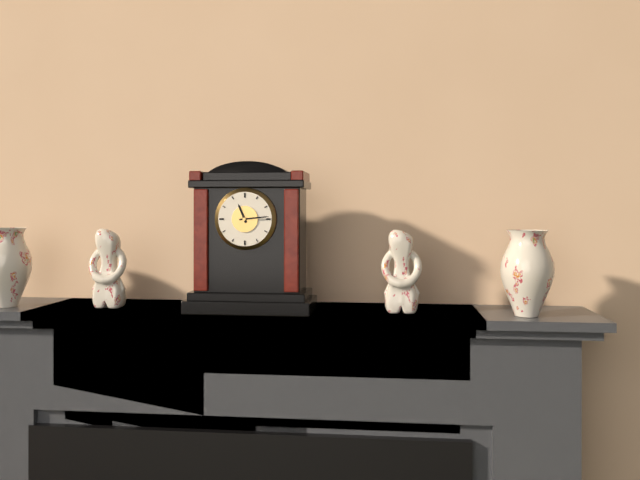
11:14
